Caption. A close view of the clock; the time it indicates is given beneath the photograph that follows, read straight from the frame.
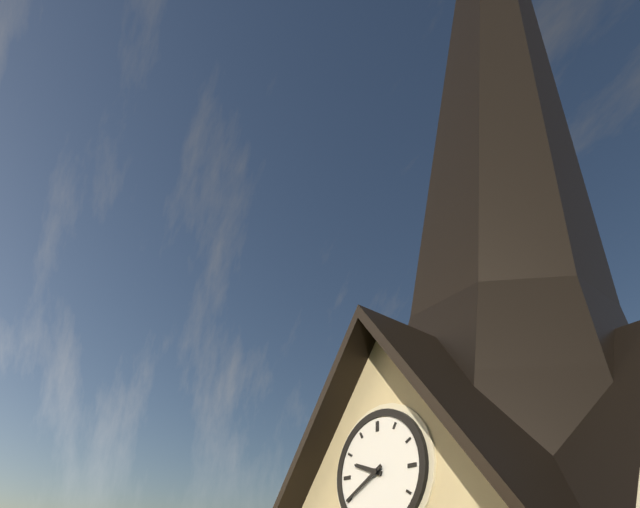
9:40
